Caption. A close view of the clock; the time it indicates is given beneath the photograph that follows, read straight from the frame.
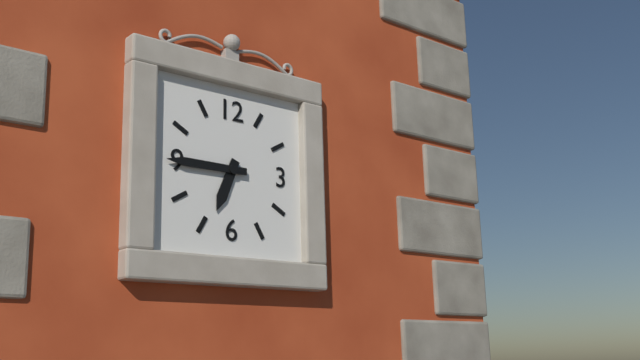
6:45
